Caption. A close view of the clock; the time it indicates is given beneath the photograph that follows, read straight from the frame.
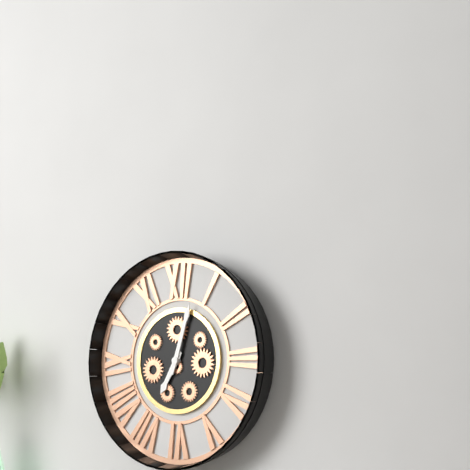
7:03
